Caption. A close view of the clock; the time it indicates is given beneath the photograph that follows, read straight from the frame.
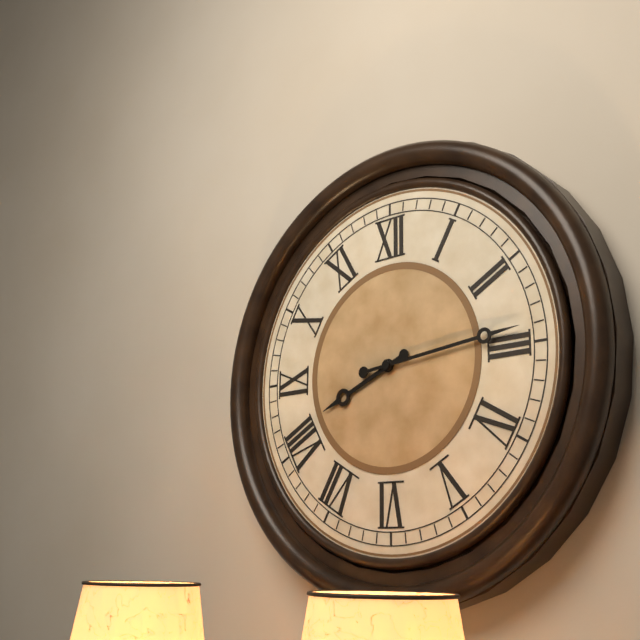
8:14
